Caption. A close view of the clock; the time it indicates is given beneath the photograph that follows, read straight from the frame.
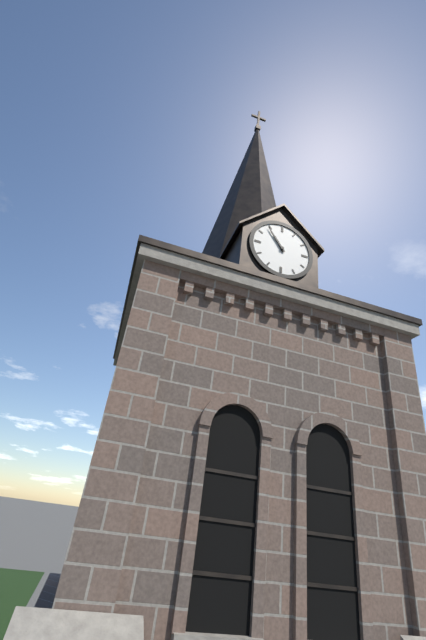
10:54
